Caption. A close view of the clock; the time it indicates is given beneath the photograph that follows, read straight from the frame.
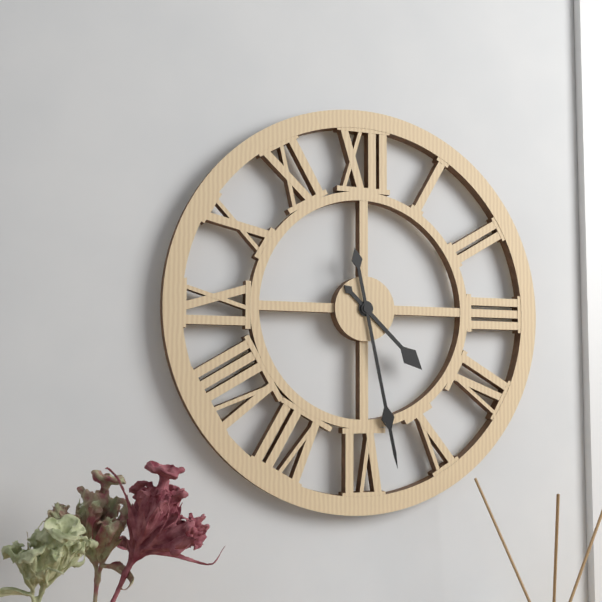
4:28
